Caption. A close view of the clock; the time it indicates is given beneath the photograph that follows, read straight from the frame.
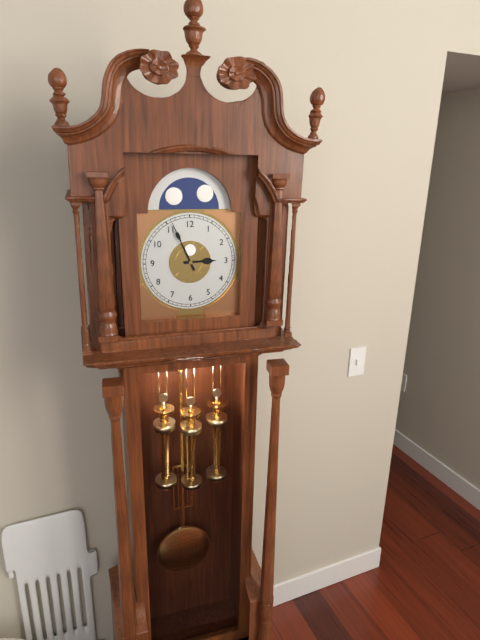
2:56
